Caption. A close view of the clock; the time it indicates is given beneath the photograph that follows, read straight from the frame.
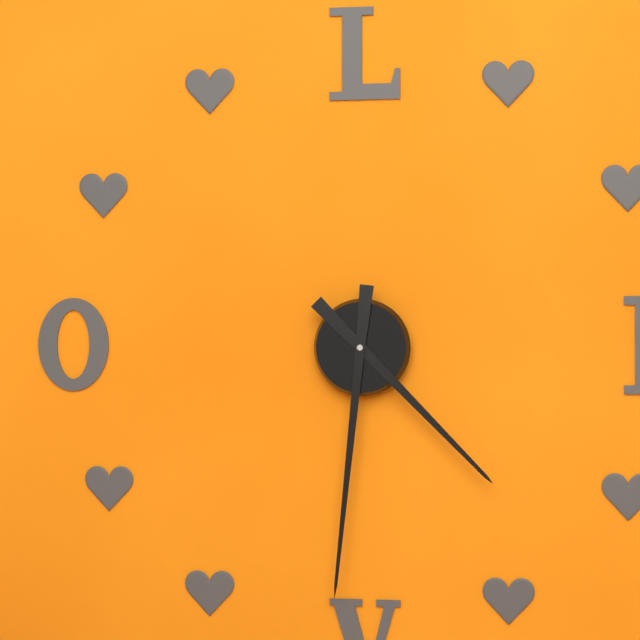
4:31
